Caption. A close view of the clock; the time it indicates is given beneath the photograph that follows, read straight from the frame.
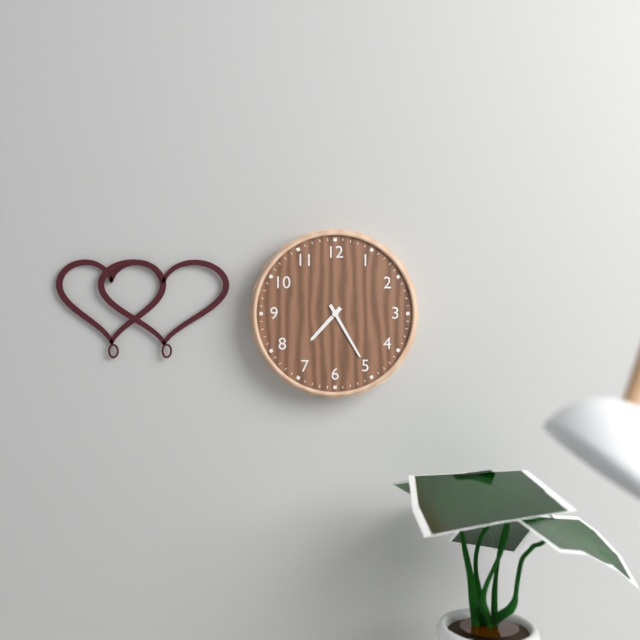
7:25
